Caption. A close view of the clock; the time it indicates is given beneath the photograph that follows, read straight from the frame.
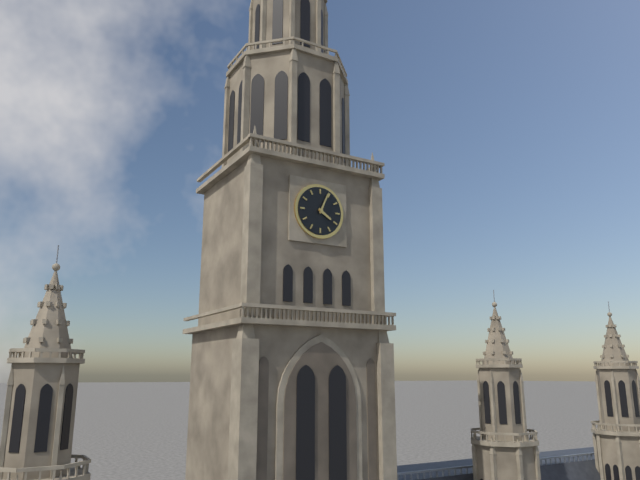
4:04
